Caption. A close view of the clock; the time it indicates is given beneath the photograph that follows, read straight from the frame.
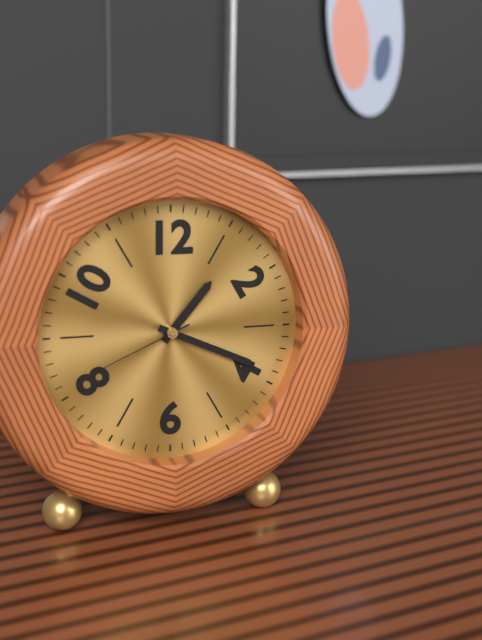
1:19:41
